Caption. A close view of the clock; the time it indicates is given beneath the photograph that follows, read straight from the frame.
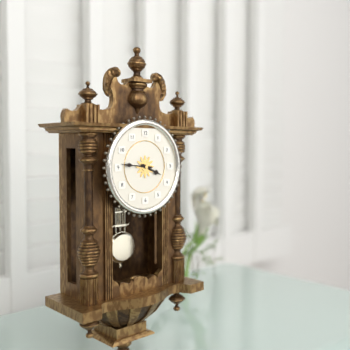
3:46
